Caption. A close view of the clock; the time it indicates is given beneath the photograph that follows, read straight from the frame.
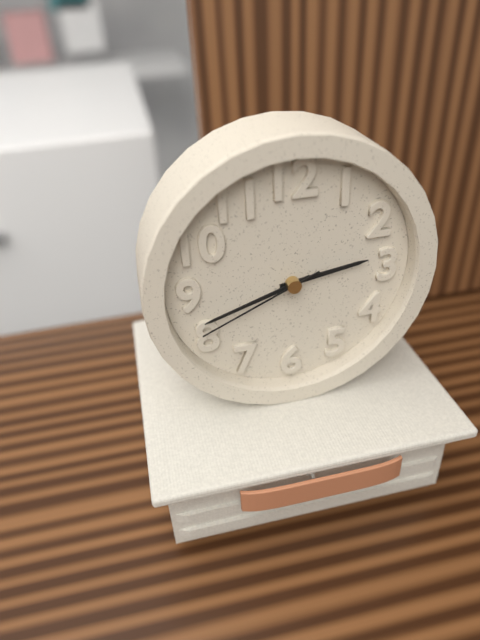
2:42:41
